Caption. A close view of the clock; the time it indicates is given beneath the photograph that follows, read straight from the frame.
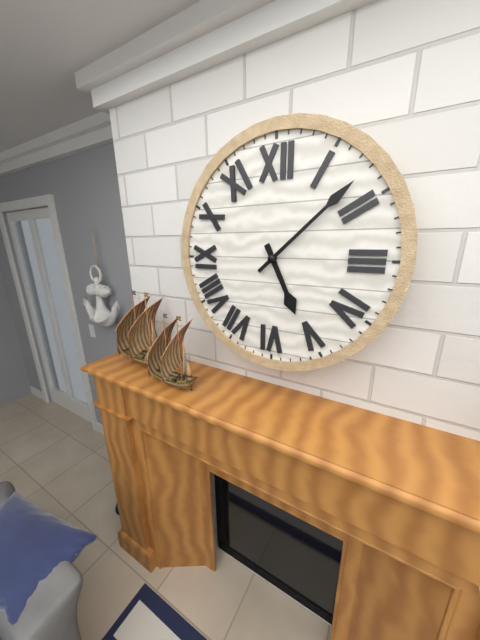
5:08
